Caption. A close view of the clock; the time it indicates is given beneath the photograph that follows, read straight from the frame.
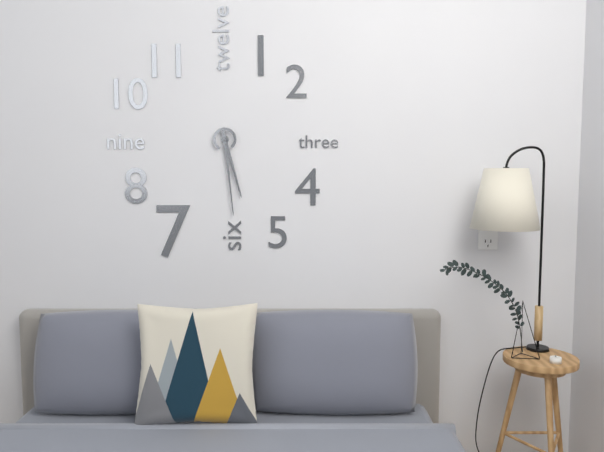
5:29
